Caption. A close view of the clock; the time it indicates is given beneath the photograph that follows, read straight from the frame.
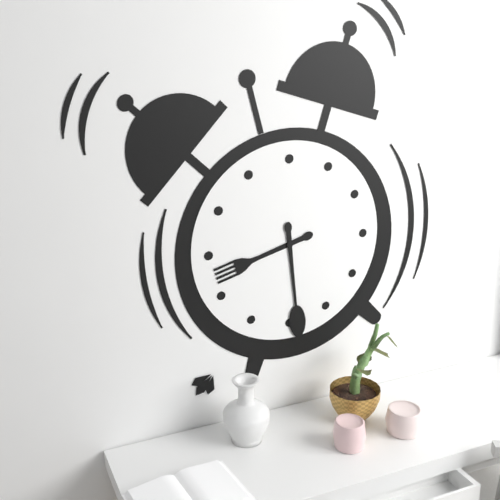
8:29
